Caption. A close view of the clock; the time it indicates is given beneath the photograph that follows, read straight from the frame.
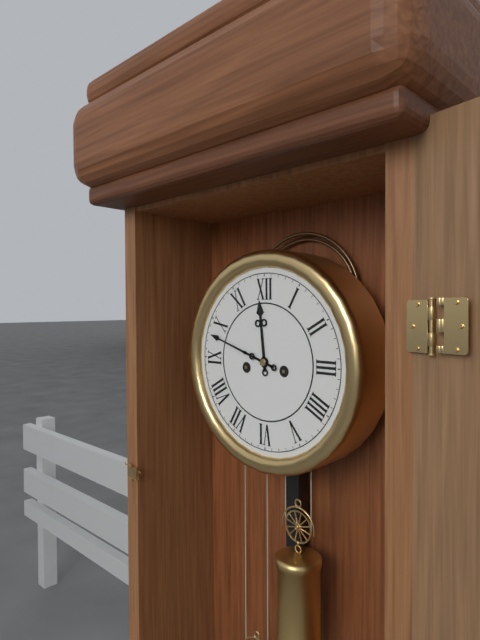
11:48
